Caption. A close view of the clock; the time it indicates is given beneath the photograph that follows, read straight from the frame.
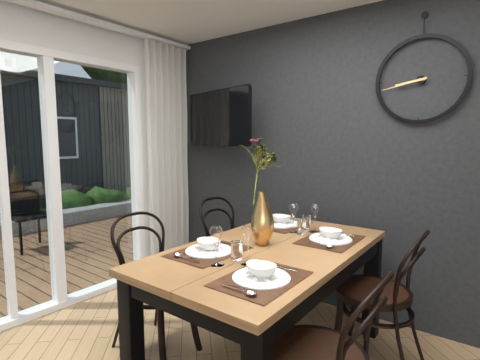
8:43
